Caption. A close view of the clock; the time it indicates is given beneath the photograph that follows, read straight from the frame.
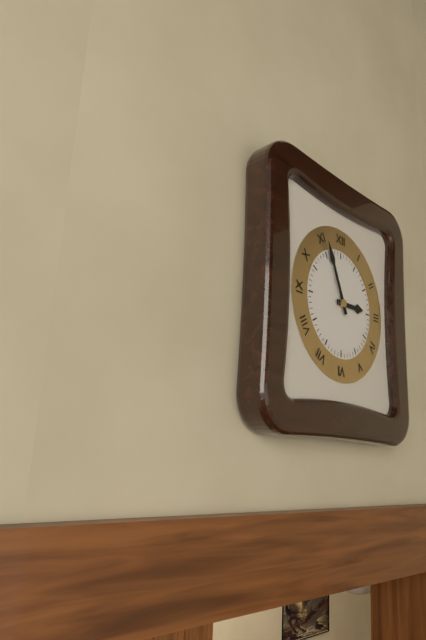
2:56
